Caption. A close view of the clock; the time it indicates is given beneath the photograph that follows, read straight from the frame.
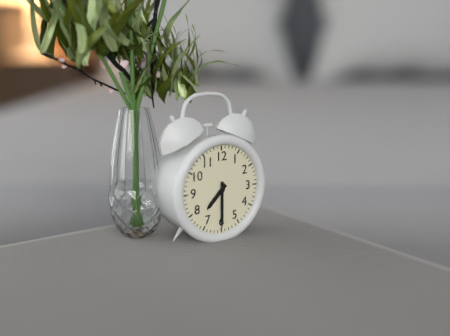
7:30
